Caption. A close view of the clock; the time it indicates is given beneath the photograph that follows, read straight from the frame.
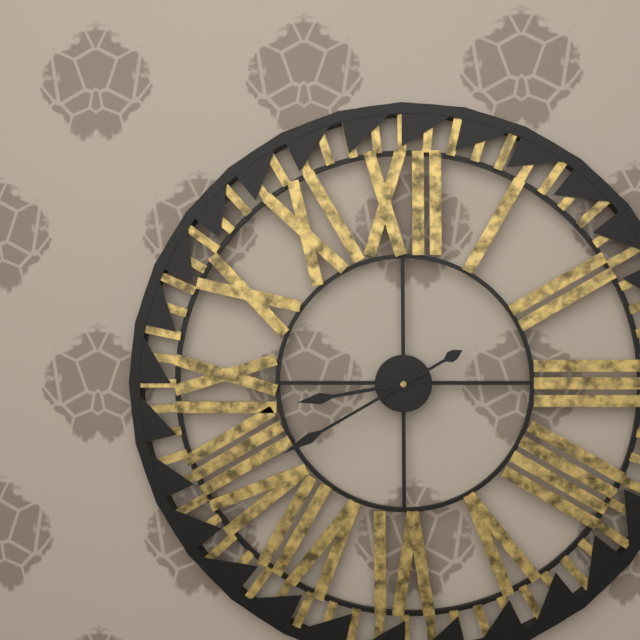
8:40
